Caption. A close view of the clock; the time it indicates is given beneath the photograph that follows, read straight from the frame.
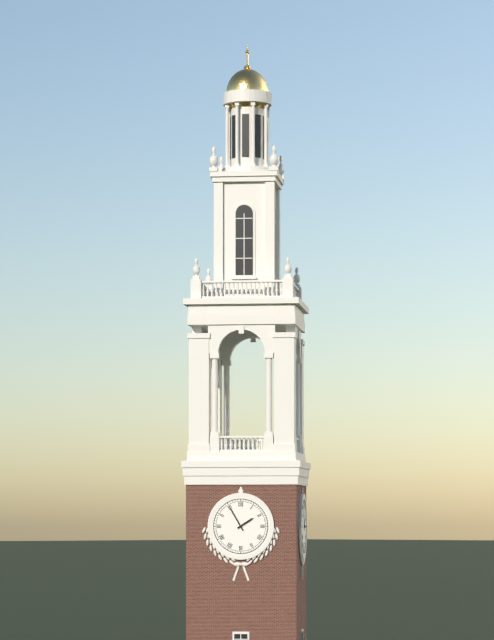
1:55
